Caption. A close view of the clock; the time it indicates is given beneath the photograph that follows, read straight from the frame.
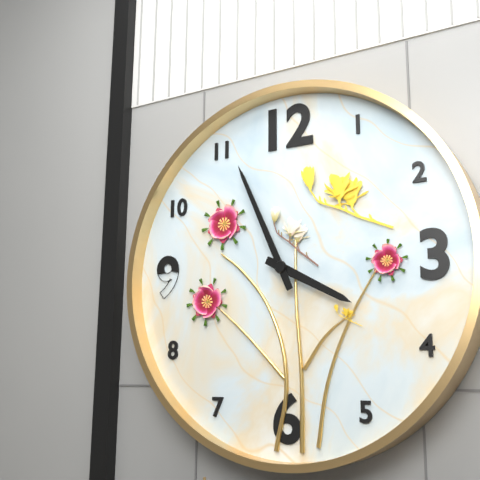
3:56
